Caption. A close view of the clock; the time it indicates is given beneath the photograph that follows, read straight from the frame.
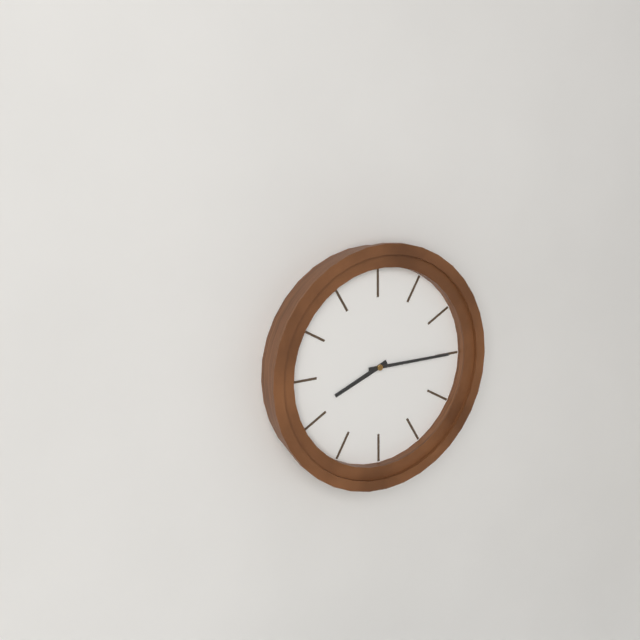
8:15
